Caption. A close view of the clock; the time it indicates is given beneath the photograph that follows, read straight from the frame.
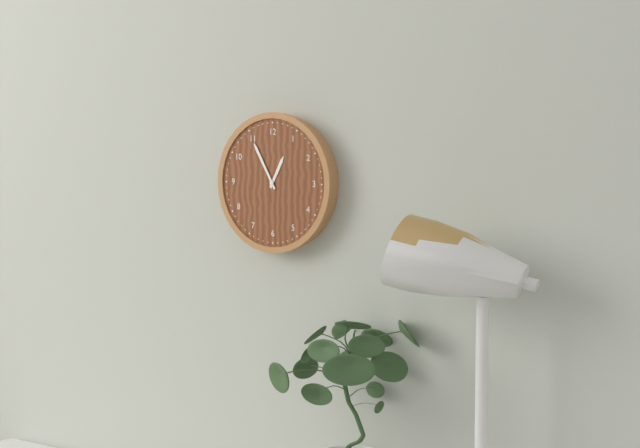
12:55
